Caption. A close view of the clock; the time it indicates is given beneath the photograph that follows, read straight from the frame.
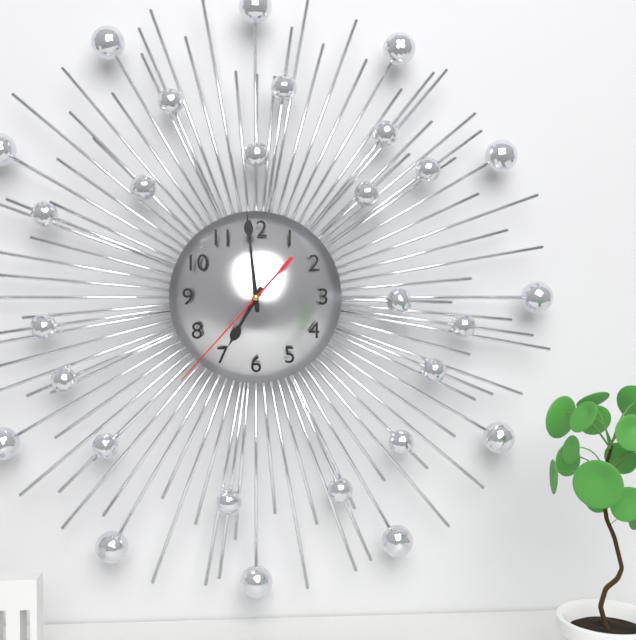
6:59:37
